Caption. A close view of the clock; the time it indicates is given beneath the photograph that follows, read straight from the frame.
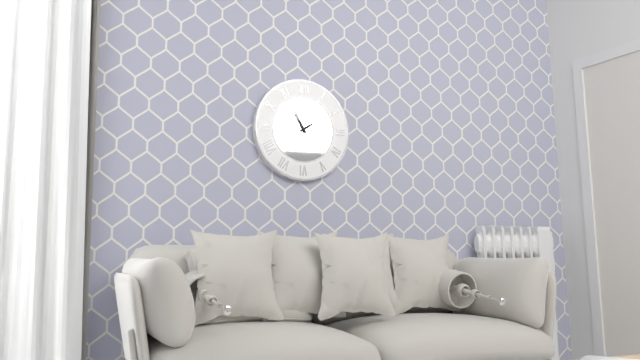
1:55
